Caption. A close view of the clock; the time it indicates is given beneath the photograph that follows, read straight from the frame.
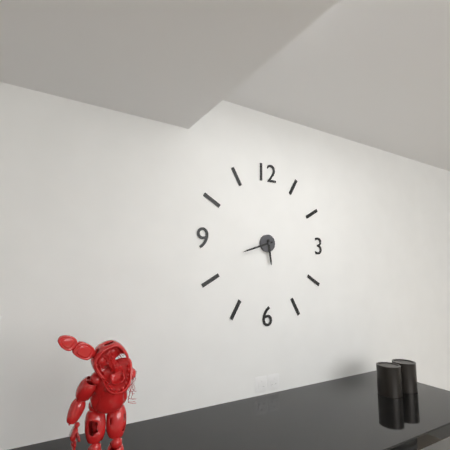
5:42
